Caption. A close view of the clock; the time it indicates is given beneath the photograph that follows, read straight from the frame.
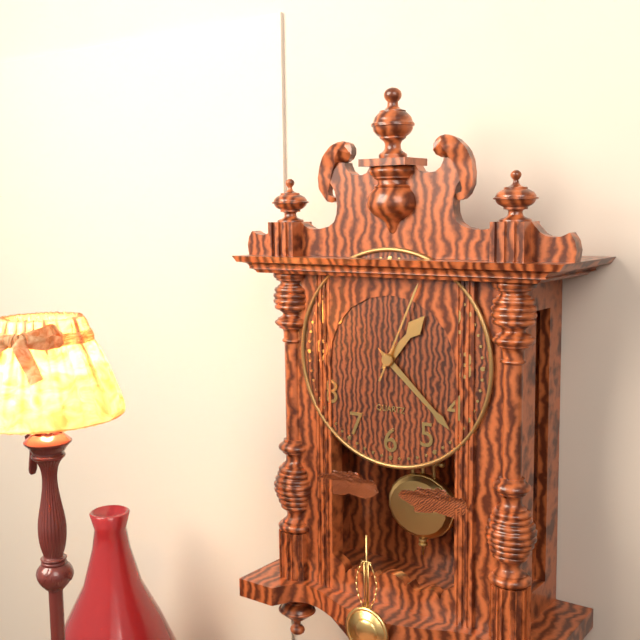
1:22:04
